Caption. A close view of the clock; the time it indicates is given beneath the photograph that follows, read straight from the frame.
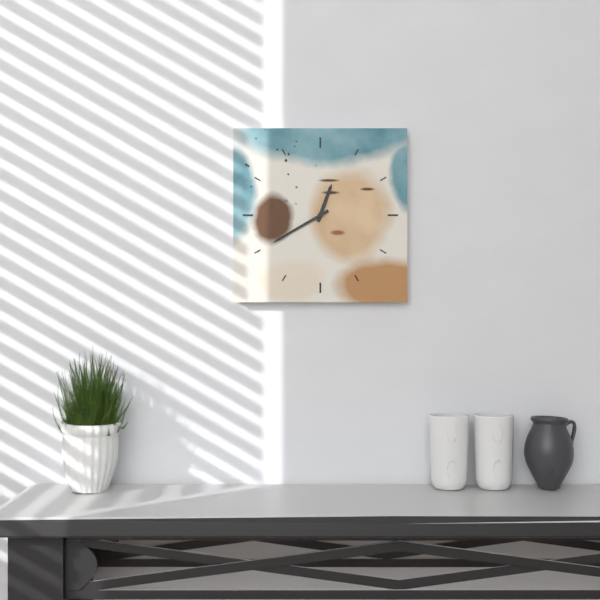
12:40
